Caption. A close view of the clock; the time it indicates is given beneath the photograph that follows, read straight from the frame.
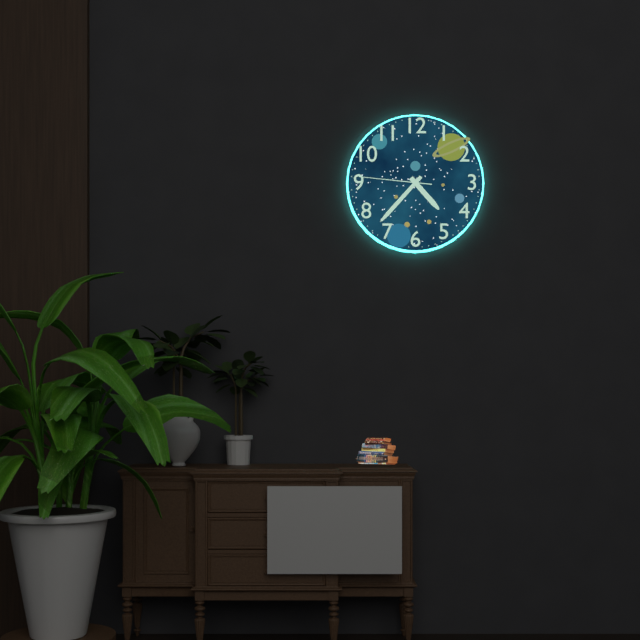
4:37:46
